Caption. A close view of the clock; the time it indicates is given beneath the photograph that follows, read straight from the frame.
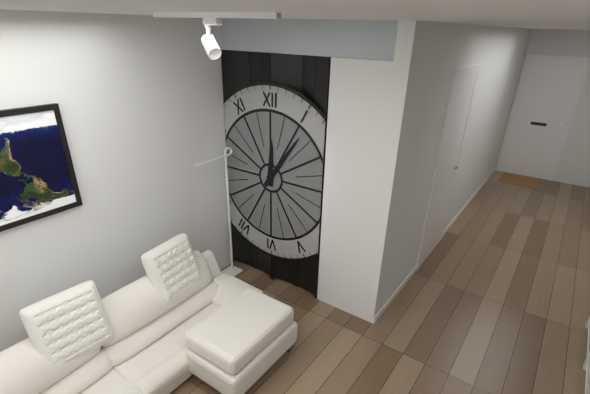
12:06
